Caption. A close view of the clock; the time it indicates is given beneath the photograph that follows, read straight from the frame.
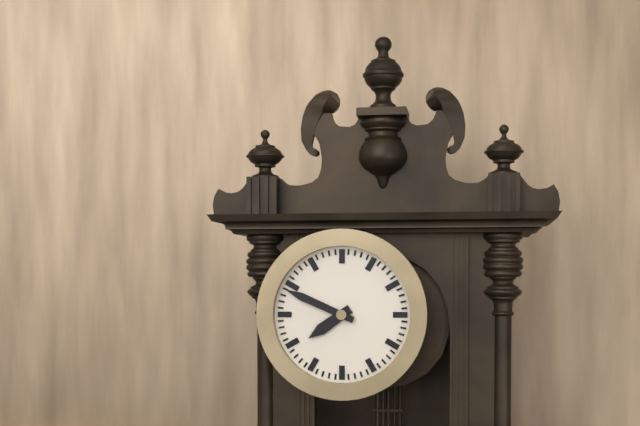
7:49
